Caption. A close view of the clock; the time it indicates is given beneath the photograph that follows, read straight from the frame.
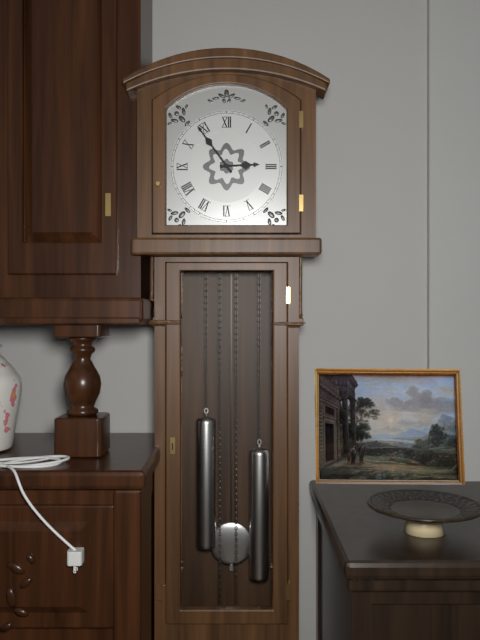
2:54
